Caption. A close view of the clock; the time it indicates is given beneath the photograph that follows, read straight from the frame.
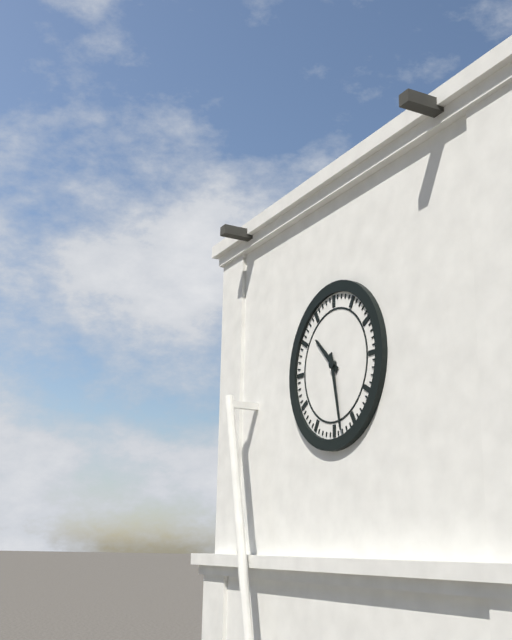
10:28
